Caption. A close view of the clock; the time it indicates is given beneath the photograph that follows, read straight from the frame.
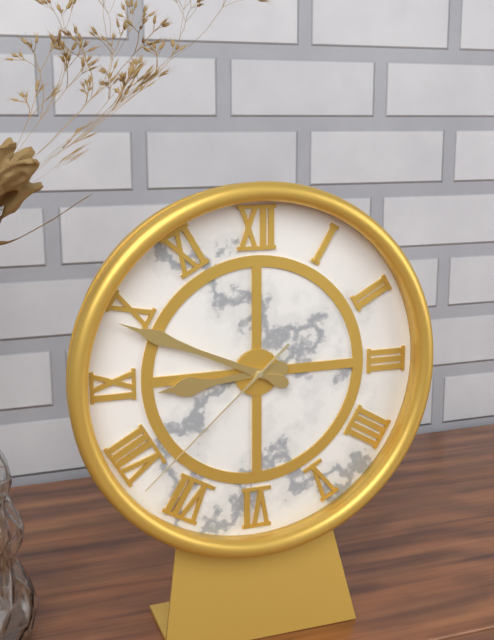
8:49:38
